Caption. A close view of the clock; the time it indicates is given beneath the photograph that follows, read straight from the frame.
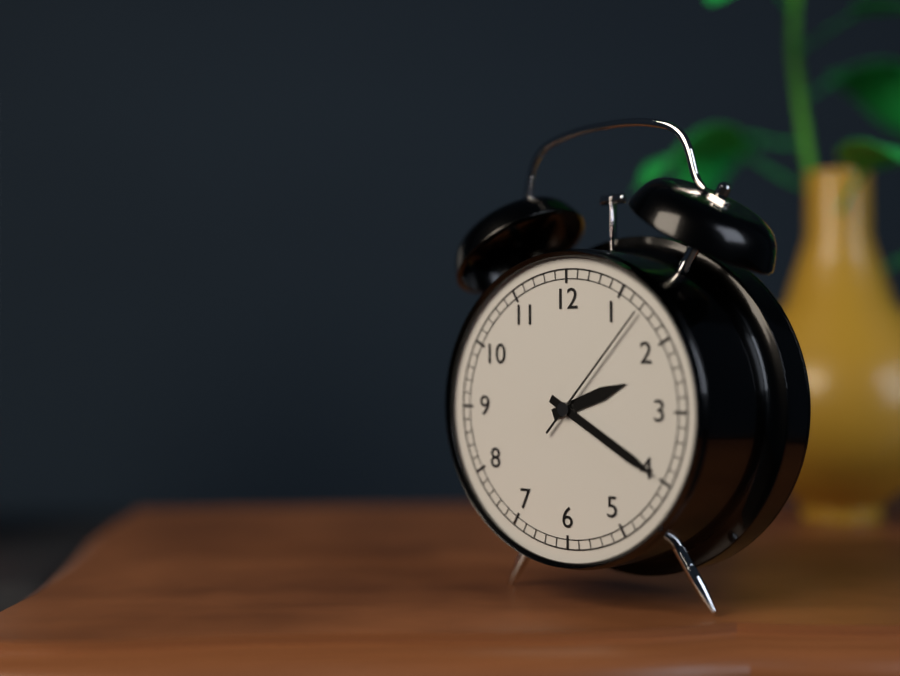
2:20:07
